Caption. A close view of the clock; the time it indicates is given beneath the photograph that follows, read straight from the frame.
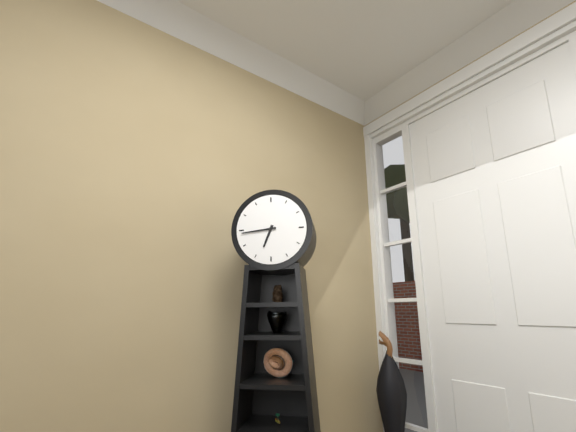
6:44
